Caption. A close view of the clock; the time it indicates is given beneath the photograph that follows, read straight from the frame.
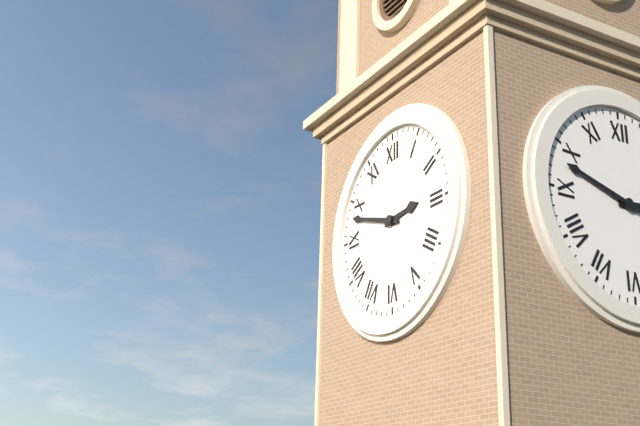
2:48
